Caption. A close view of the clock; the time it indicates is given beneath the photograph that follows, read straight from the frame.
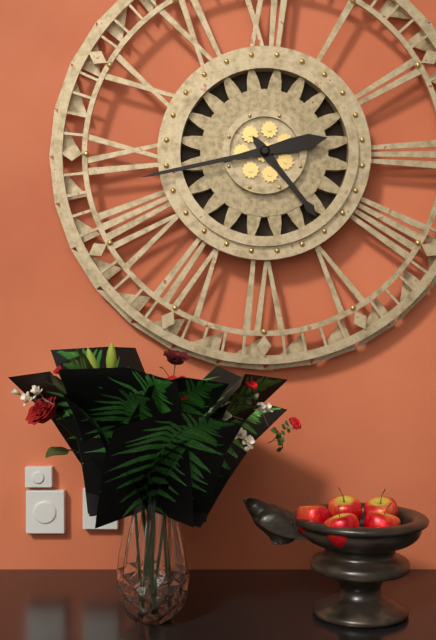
4:43
